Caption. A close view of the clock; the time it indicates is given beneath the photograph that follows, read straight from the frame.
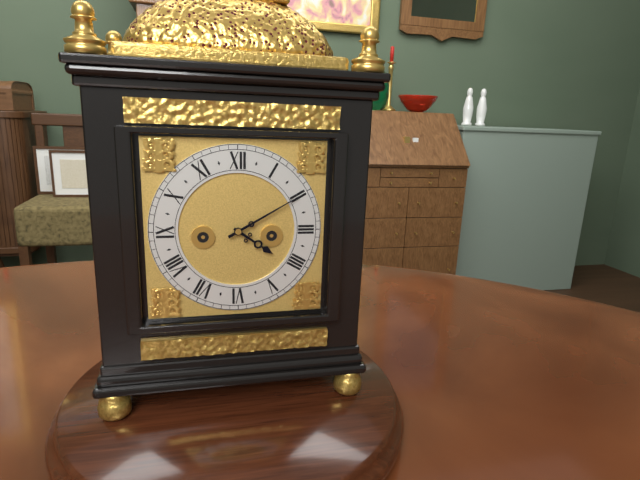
4:10
